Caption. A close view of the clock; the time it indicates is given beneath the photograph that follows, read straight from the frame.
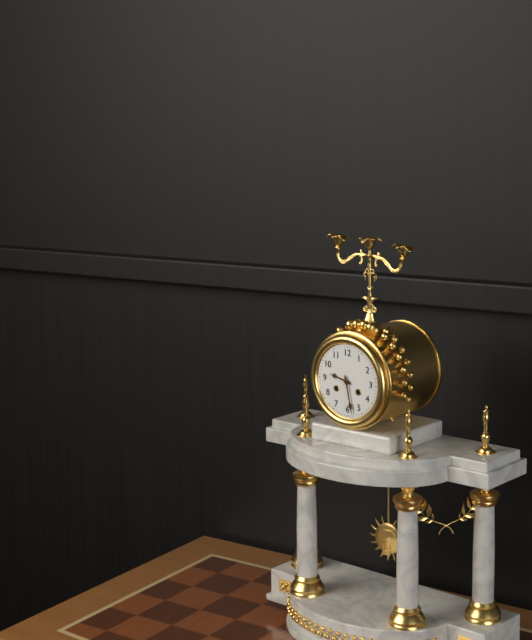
9:28
